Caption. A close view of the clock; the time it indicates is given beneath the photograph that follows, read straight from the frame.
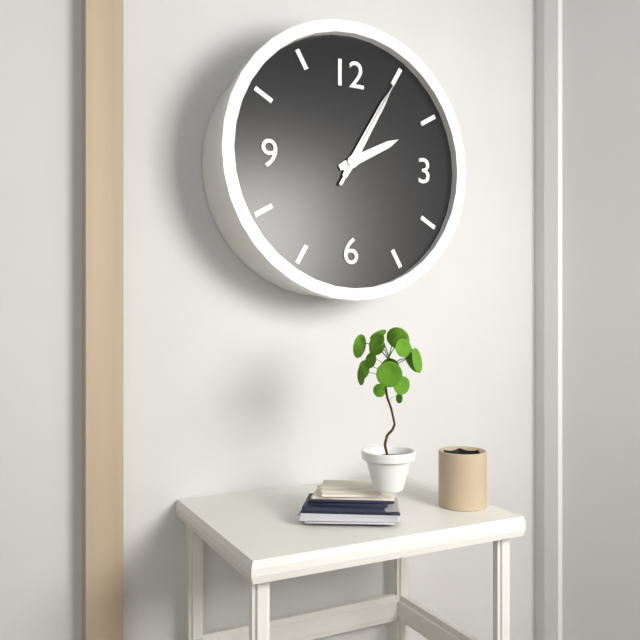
2:05:05
